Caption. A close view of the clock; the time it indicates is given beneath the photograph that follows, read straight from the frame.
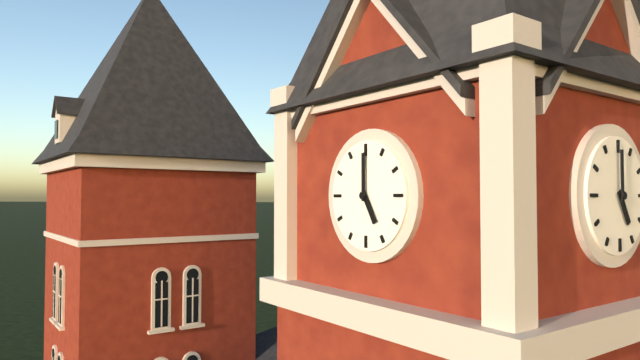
5:00
